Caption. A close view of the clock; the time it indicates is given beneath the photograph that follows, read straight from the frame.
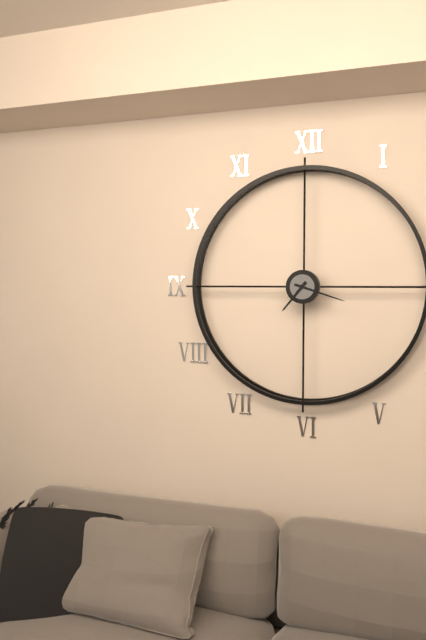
7:18
